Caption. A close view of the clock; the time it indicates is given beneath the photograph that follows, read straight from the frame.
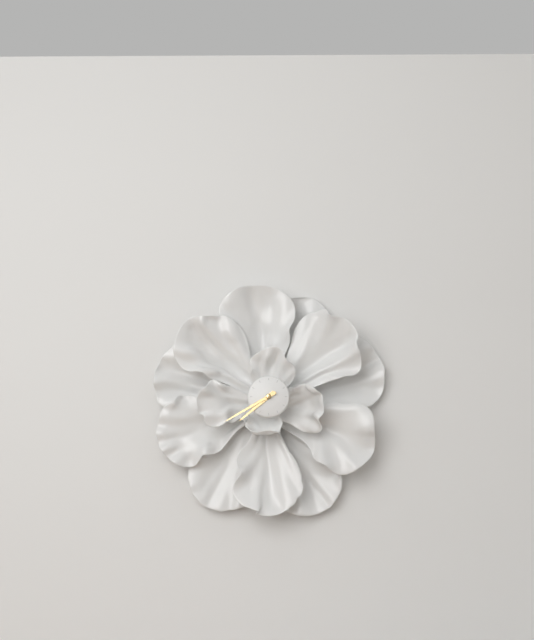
7:40
